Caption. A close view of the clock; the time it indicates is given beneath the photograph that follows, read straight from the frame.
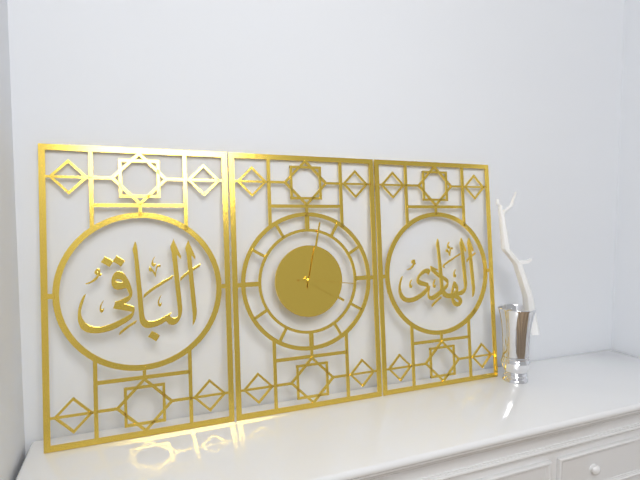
4:02:16
